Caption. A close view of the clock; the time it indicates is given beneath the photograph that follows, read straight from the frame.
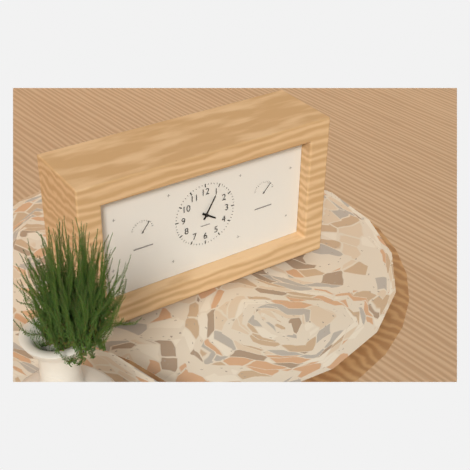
4:05
